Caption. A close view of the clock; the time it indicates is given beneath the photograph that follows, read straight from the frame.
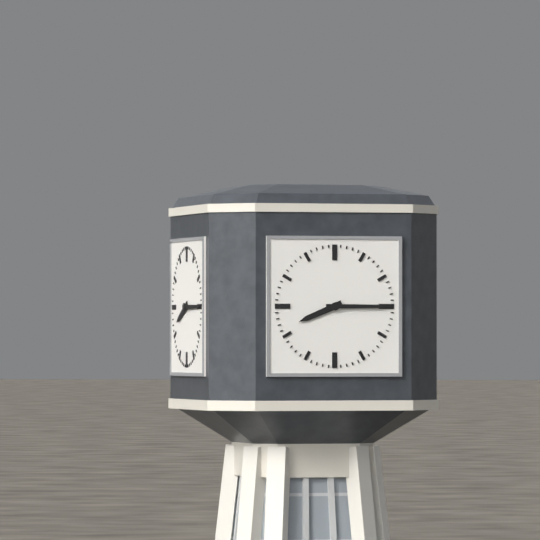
8:15
